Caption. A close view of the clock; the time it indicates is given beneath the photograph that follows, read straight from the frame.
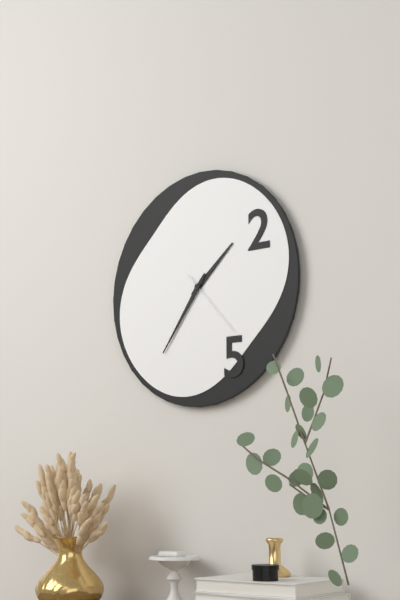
1:36:23
